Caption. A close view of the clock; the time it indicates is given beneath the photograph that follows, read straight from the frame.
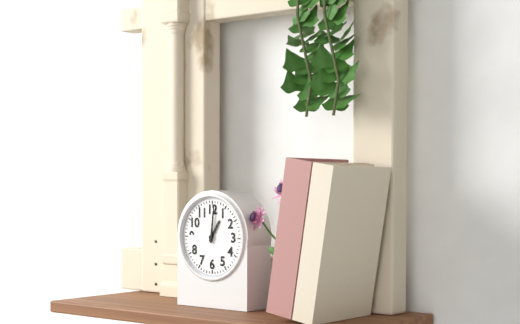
1:01
